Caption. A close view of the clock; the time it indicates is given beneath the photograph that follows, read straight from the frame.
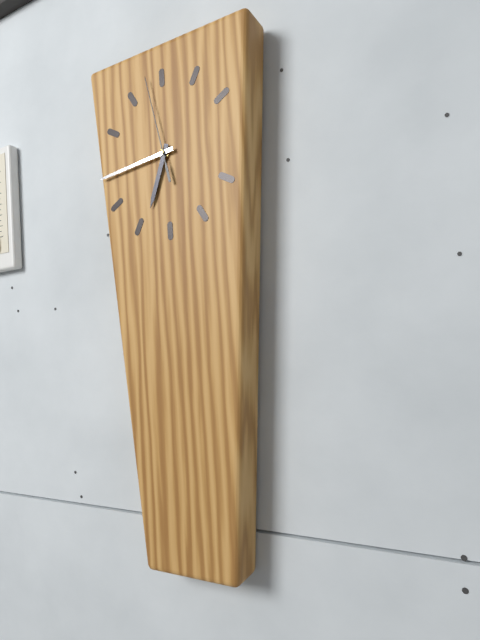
6:44:58
